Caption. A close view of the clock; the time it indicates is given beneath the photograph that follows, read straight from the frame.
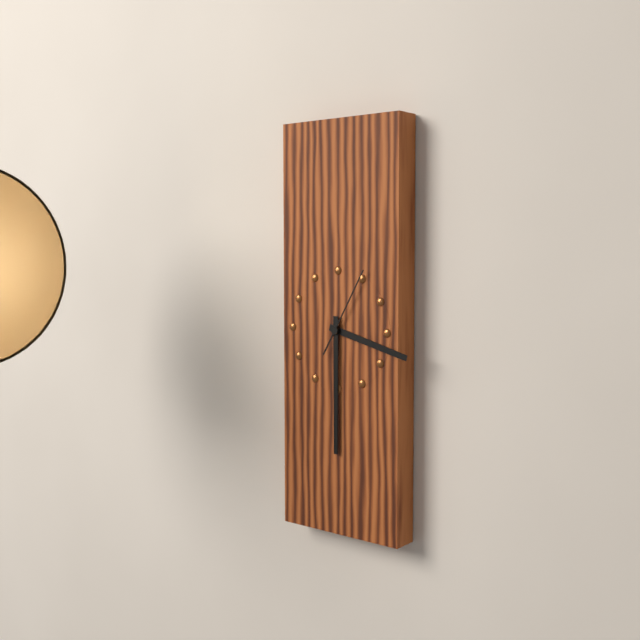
3:30:05
